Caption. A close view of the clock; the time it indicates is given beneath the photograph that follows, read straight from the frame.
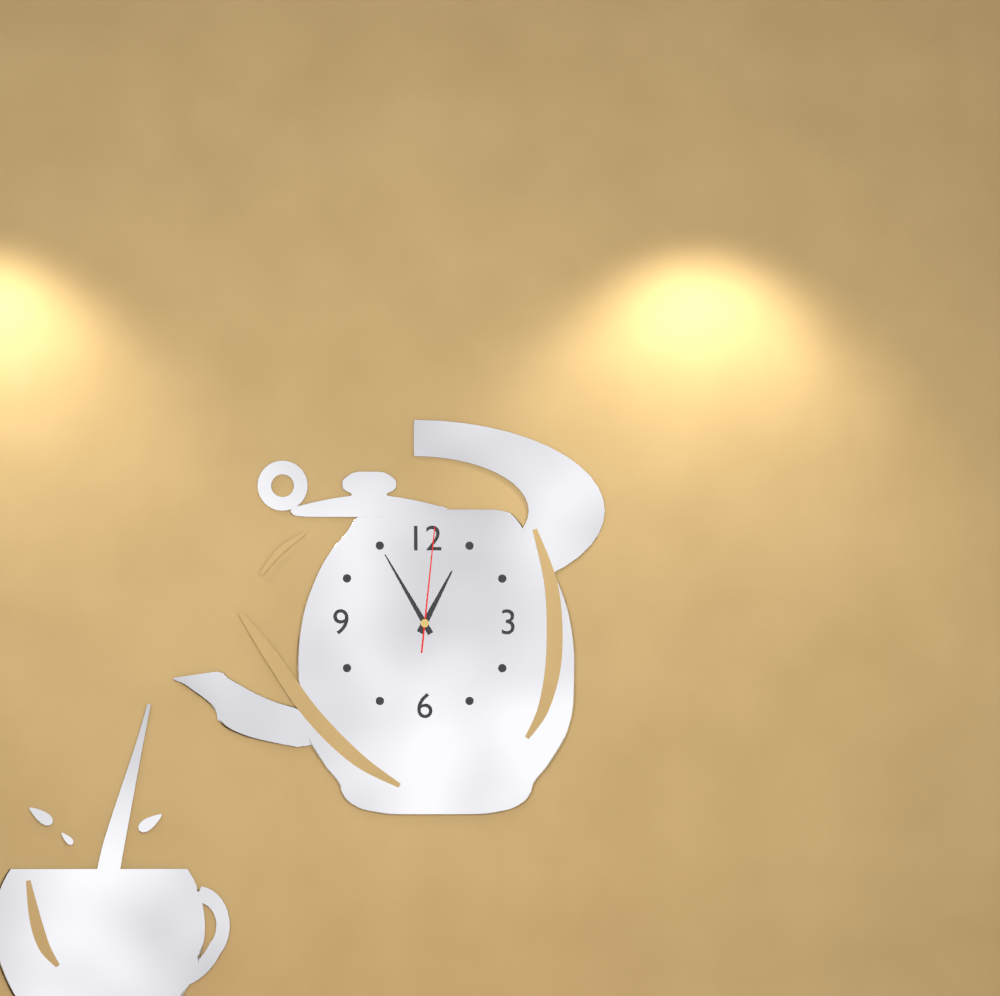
12:55:01
